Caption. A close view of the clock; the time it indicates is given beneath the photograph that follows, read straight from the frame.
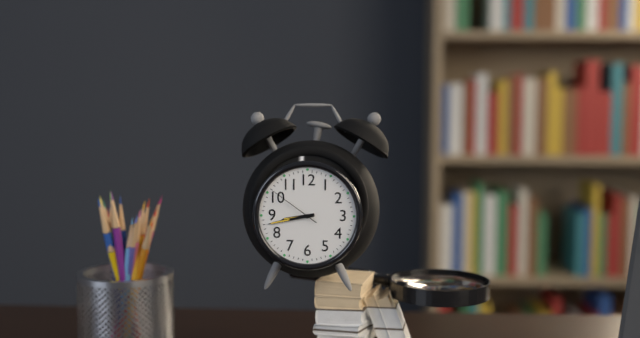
8:43:51
